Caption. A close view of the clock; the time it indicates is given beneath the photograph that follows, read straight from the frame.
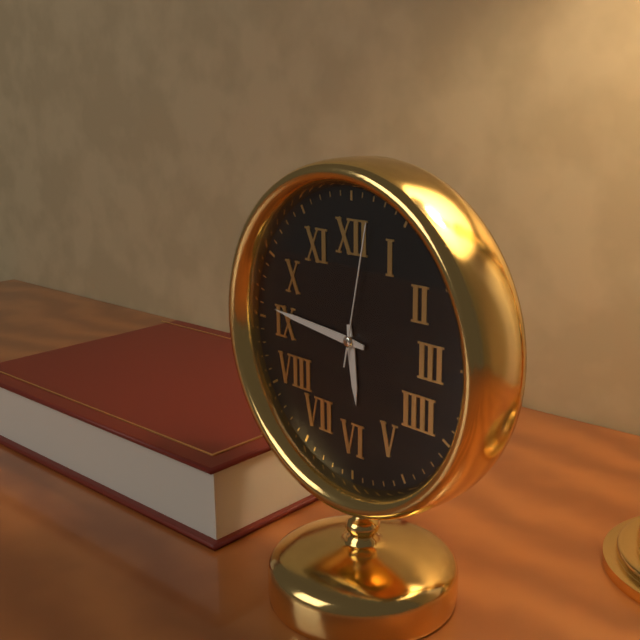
5:46:02
